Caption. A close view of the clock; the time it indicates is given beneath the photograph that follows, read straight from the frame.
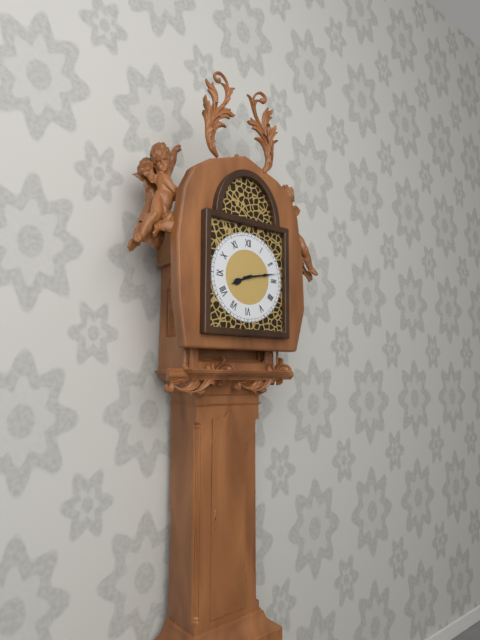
8:13
